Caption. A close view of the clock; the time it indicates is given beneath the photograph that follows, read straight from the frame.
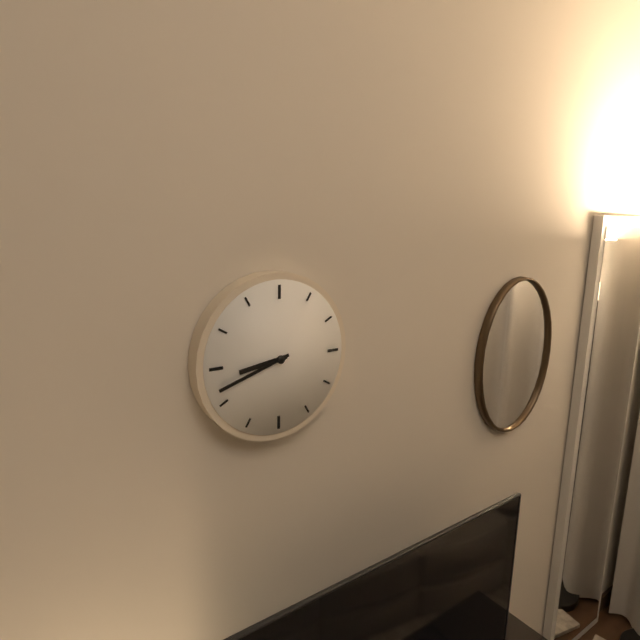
8:42
